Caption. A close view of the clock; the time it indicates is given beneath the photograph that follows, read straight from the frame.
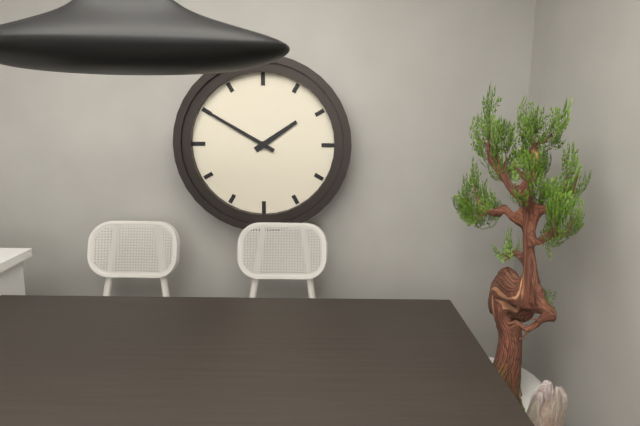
1:50
